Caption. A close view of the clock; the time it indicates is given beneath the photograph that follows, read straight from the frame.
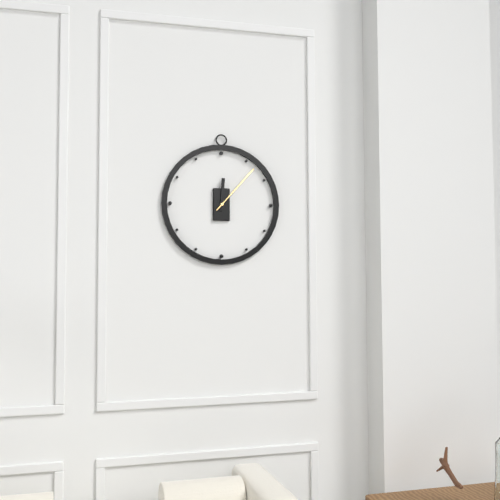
12:07
